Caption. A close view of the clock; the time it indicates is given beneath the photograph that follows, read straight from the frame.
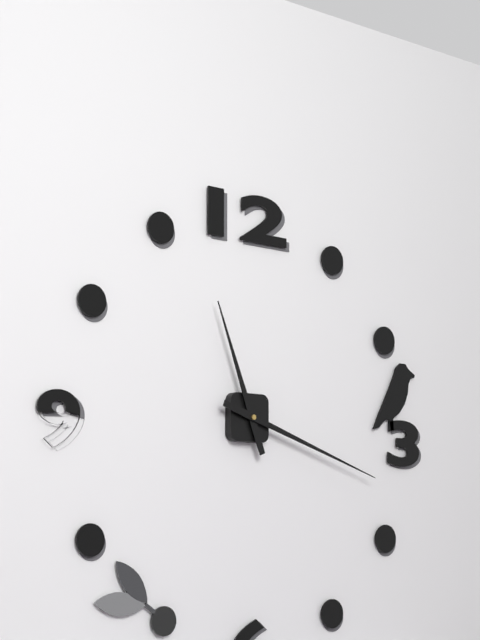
11:18
